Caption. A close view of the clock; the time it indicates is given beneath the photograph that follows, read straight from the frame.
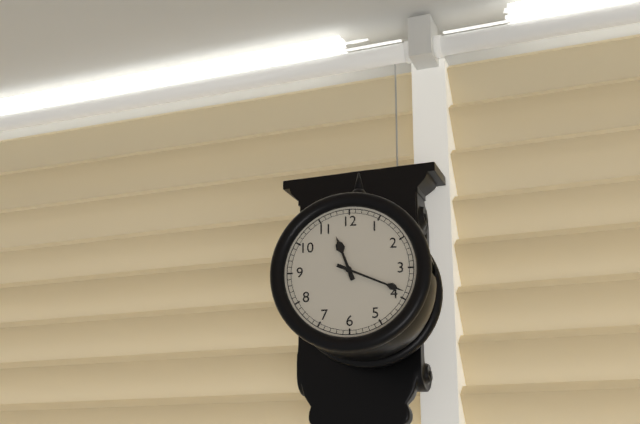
11:19
